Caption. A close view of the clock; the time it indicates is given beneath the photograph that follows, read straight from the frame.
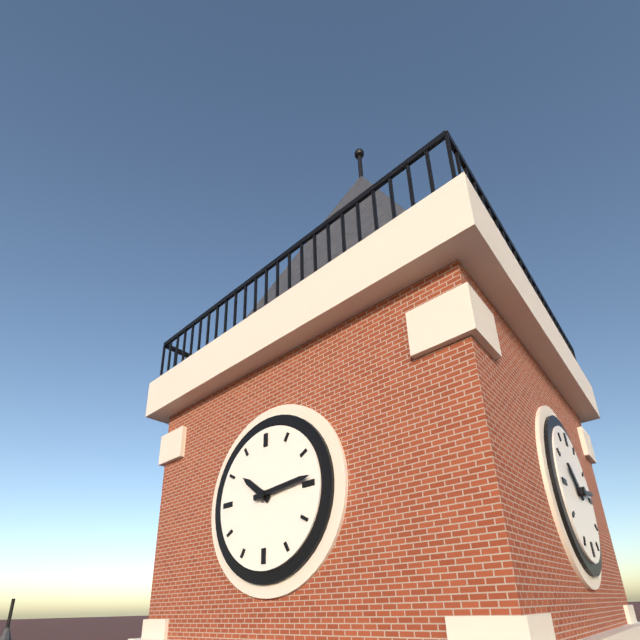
10:14
